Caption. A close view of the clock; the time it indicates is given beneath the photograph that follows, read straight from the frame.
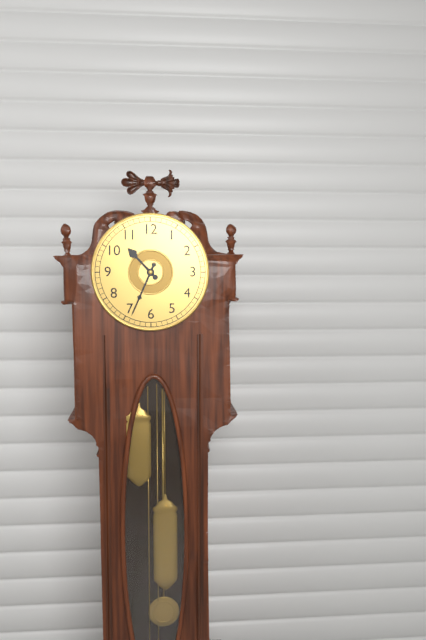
10:34
